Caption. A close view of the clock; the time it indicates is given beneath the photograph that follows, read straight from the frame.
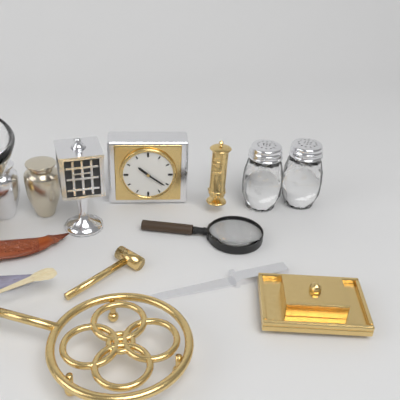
10:21
